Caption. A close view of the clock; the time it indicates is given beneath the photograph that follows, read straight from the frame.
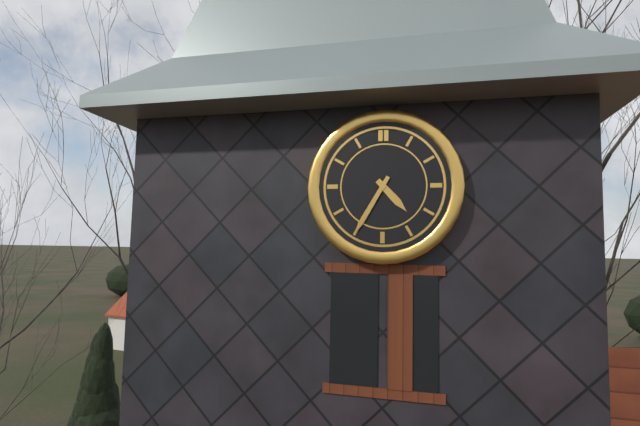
4:35
